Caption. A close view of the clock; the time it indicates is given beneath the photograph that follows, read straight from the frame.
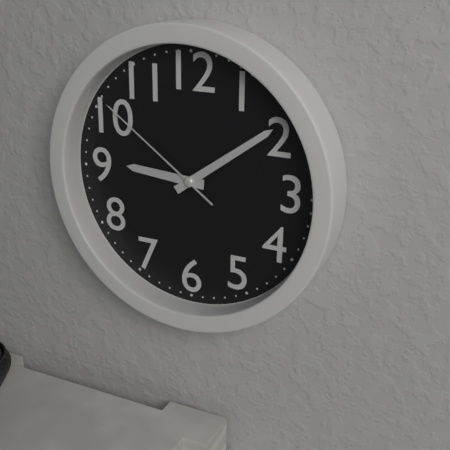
9:09:51
